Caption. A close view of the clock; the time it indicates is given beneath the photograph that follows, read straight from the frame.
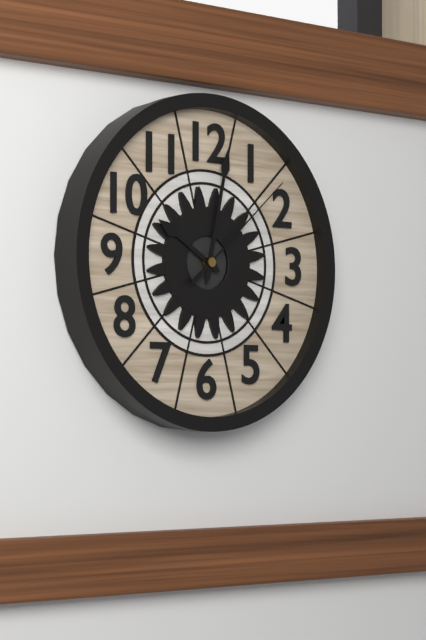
10:02:08
